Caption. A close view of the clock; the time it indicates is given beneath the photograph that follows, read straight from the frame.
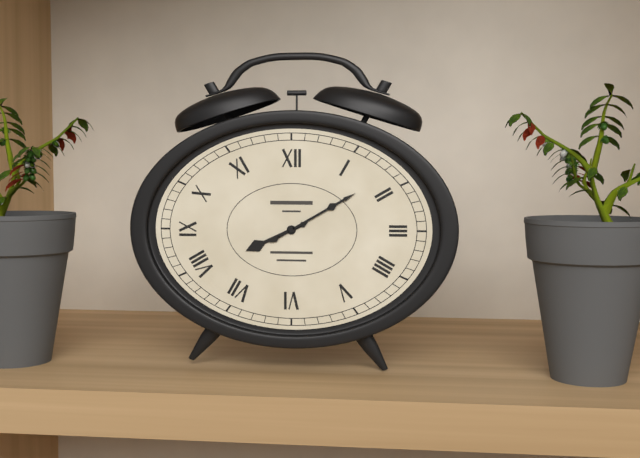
8:10
